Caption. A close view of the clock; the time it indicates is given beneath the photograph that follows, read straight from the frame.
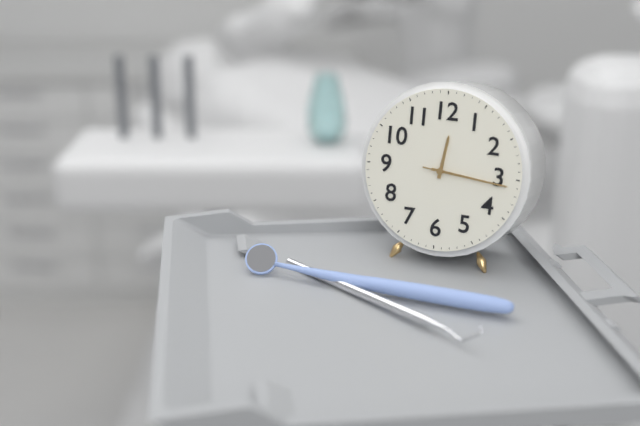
12:16:16
